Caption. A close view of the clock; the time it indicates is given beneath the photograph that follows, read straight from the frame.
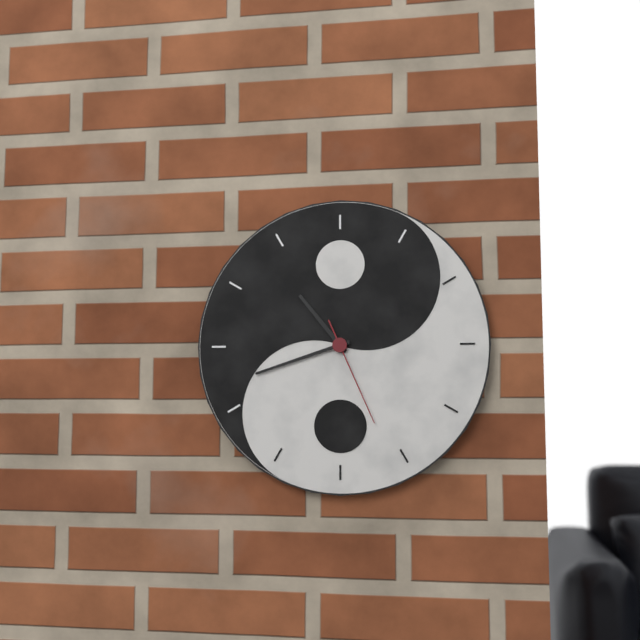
10:42:26
